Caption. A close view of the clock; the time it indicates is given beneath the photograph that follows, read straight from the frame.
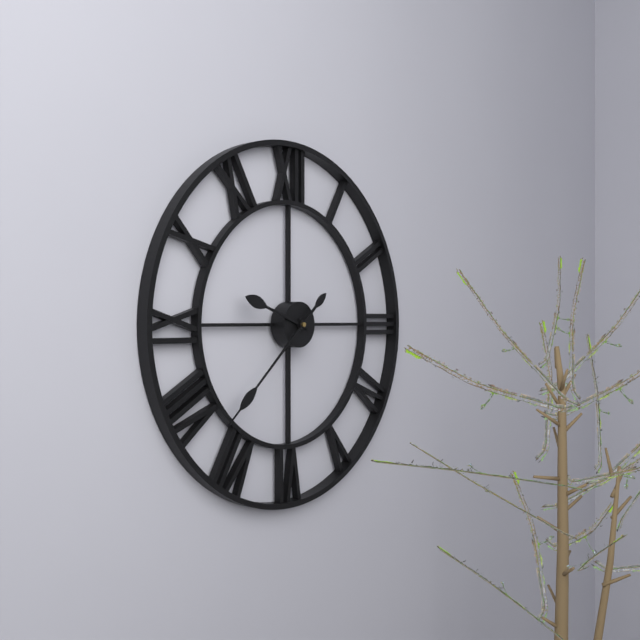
9:38
